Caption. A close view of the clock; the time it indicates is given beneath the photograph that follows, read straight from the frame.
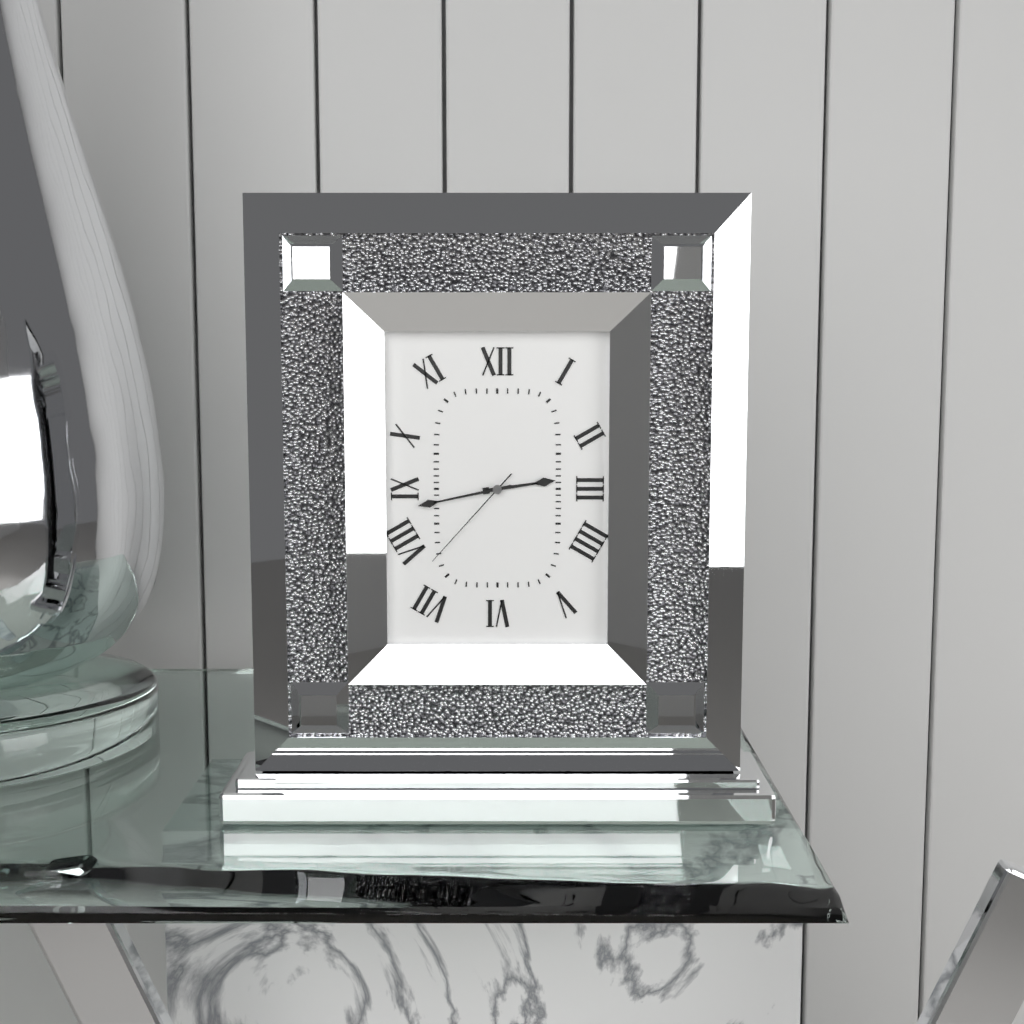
2:43:37
